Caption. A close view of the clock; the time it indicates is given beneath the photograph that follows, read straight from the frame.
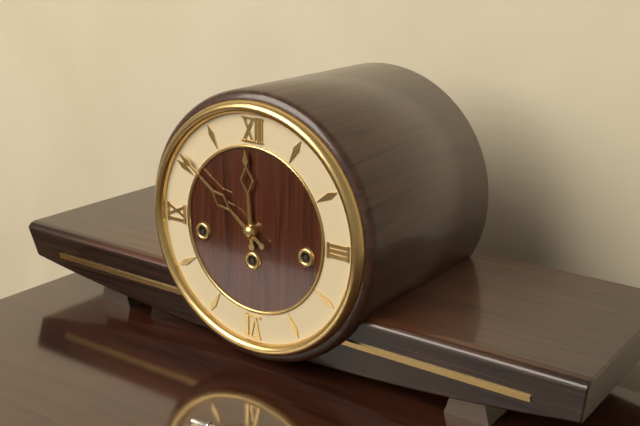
11:51
